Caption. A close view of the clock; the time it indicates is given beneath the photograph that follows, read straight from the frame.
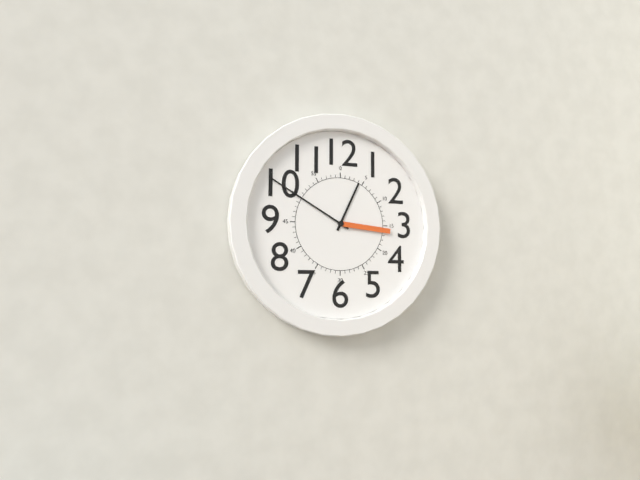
12:50:16
